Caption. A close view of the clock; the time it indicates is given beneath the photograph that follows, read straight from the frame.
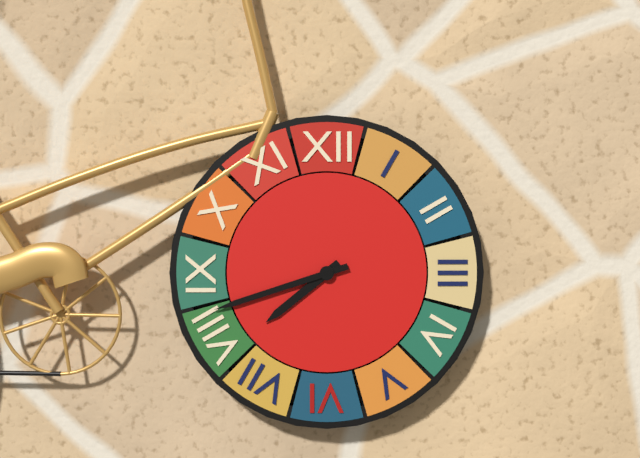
7:42
